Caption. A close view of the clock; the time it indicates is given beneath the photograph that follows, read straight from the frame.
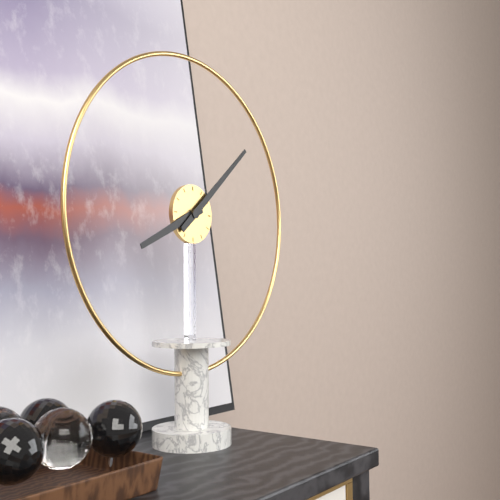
8:08
